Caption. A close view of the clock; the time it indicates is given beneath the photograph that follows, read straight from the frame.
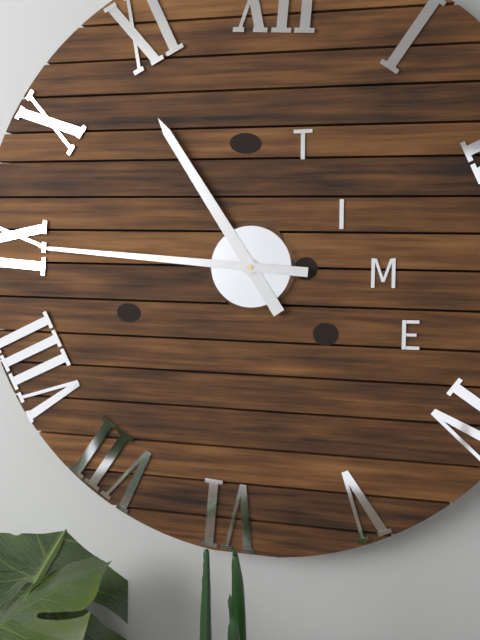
10:45
